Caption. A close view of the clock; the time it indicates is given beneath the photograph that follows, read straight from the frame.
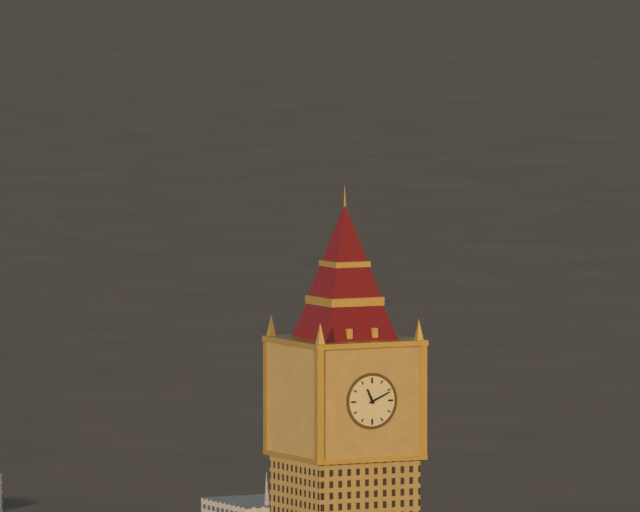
11:11
